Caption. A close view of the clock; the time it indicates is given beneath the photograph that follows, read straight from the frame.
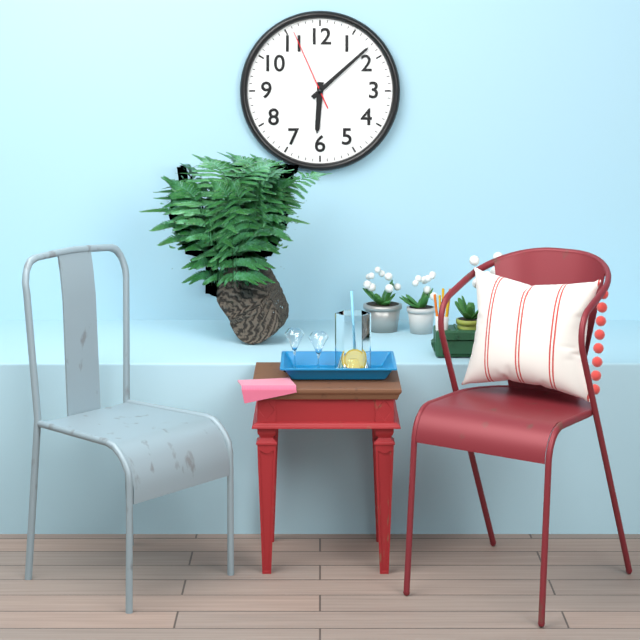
6:08:56
